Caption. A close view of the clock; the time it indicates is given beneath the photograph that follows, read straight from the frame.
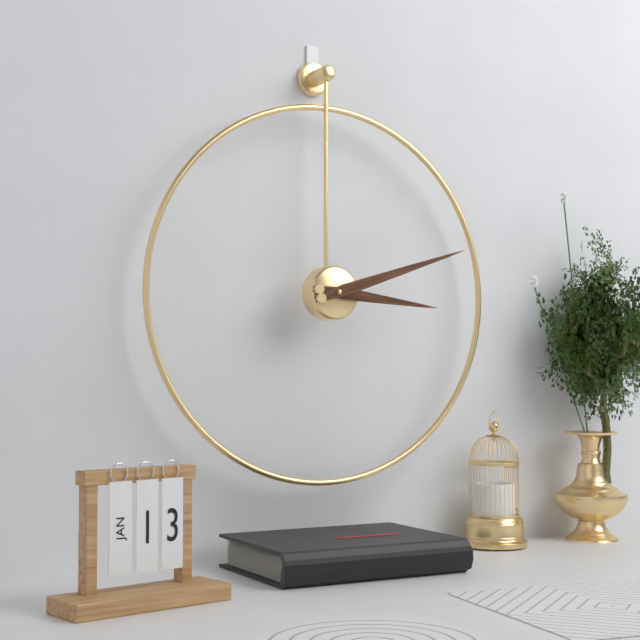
3:12
